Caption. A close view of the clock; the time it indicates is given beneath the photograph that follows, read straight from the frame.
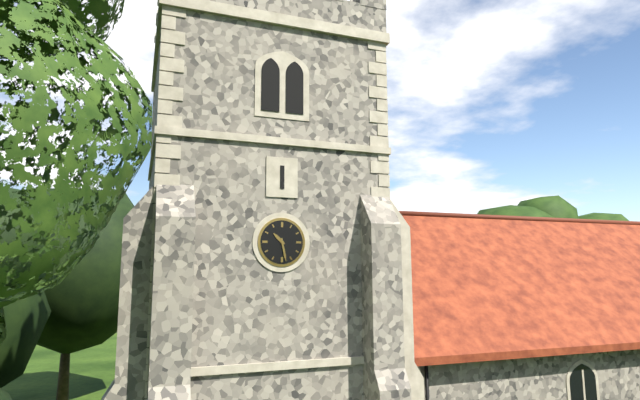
10:28
